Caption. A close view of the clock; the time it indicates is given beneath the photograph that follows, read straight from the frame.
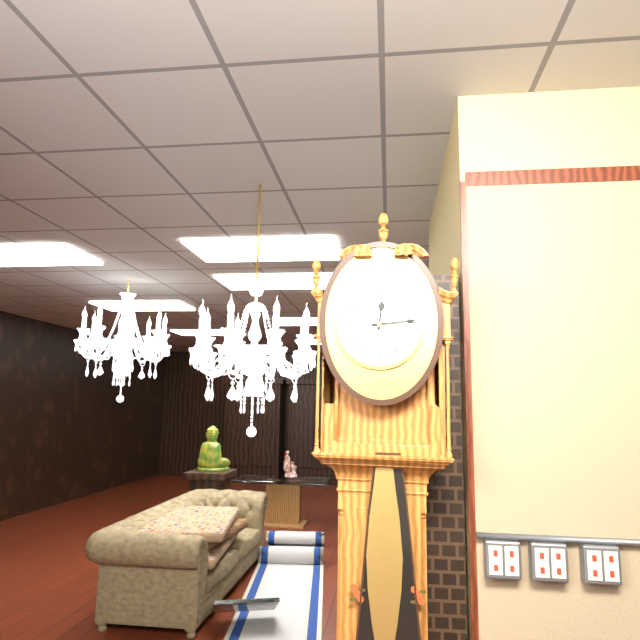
12:14
